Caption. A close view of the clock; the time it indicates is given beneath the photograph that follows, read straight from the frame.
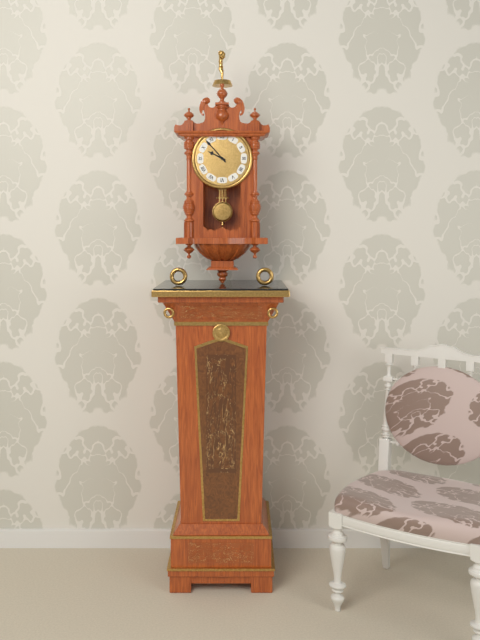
9:53
